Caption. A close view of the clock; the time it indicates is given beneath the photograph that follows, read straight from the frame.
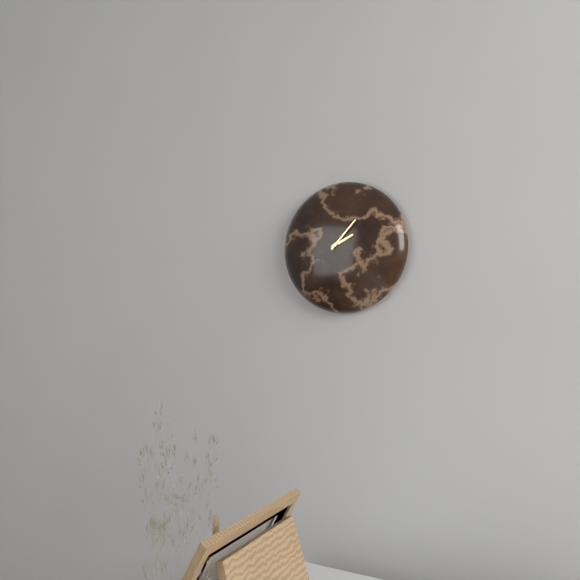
2:07
